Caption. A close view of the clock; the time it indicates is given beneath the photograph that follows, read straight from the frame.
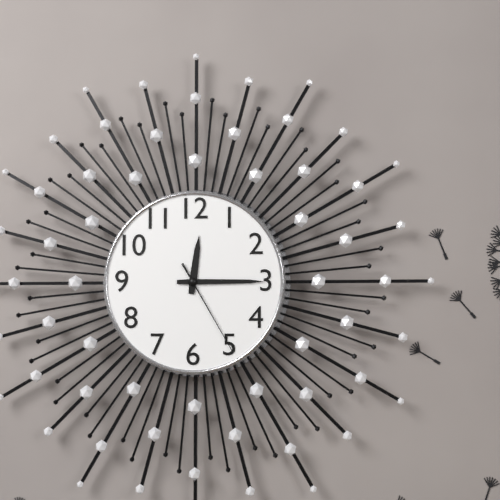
12:15:25
